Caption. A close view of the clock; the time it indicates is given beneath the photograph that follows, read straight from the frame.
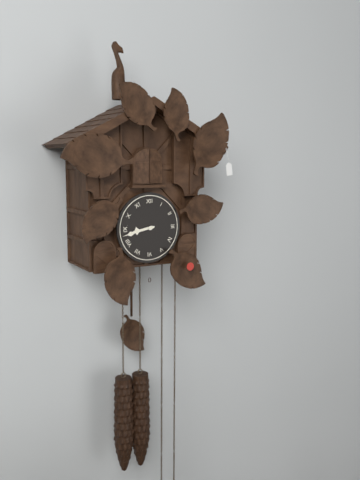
8:43
